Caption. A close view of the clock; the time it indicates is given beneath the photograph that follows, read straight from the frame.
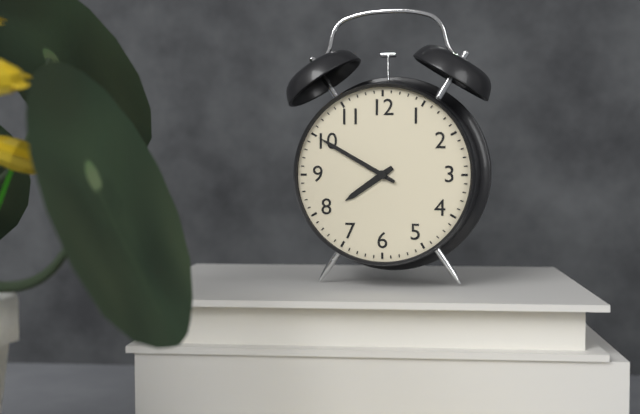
7:50
